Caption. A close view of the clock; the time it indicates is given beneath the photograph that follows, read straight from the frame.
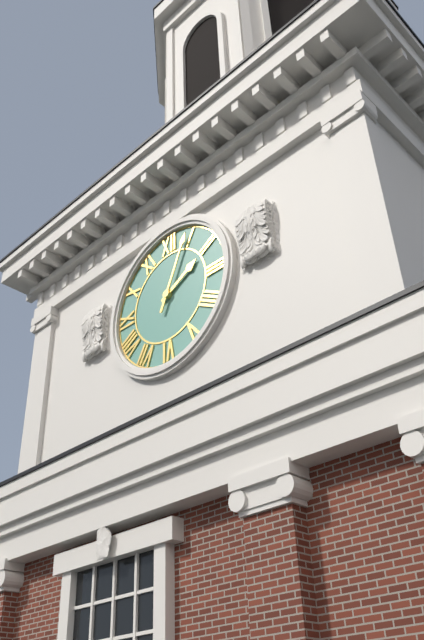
2:04
